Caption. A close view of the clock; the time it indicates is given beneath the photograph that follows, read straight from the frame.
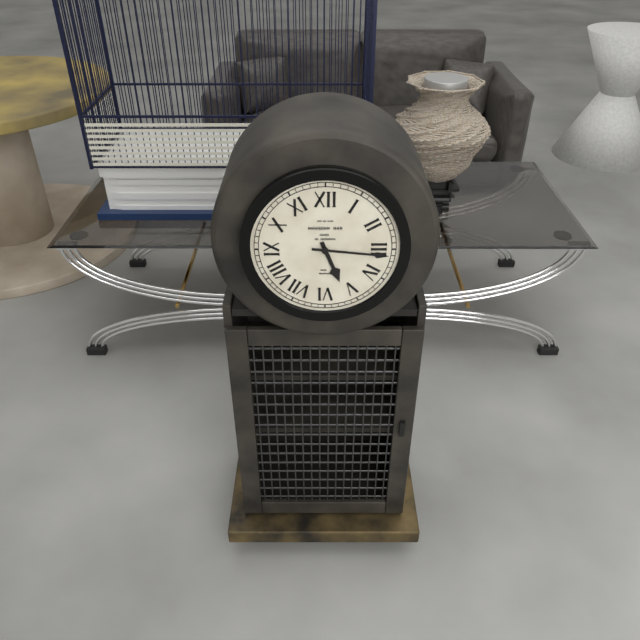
5:16
